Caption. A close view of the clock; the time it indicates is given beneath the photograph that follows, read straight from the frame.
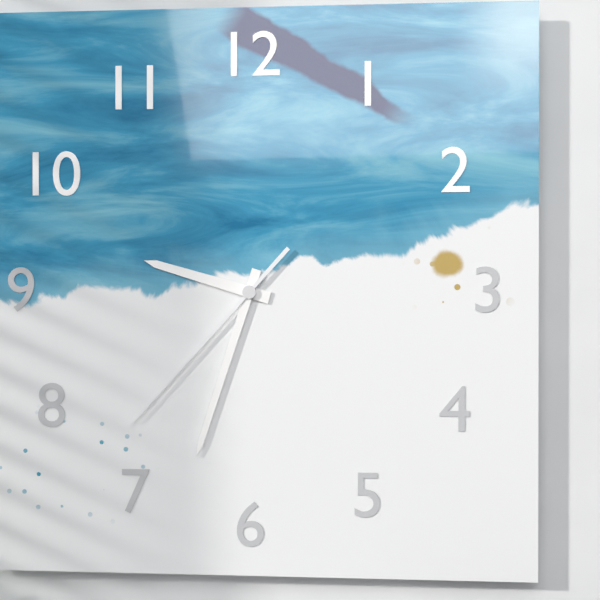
9:33:37
